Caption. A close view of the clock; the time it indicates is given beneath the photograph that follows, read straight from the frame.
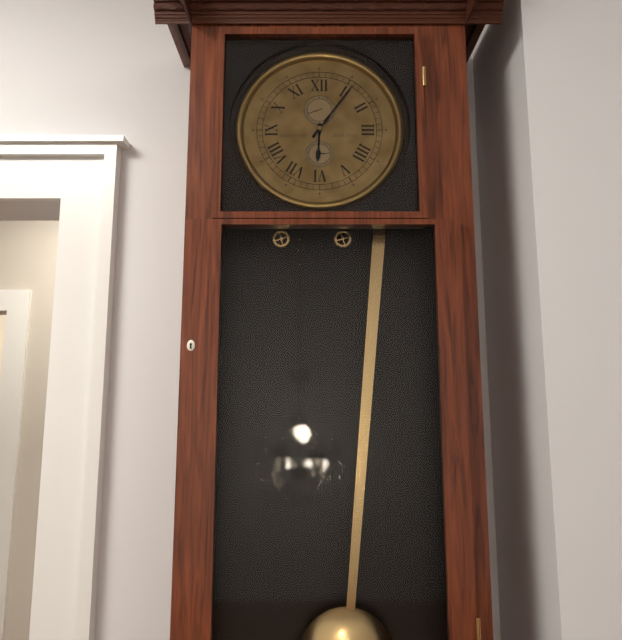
6:06
